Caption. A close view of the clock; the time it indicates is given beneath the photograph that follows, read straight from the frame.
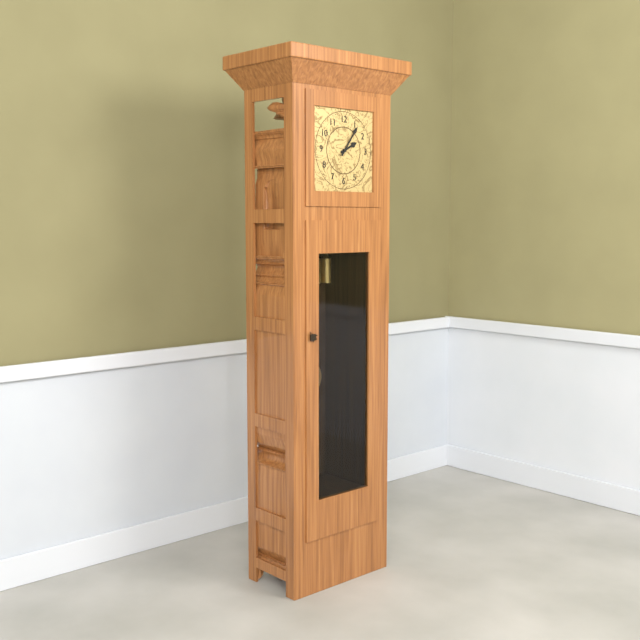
2:06
